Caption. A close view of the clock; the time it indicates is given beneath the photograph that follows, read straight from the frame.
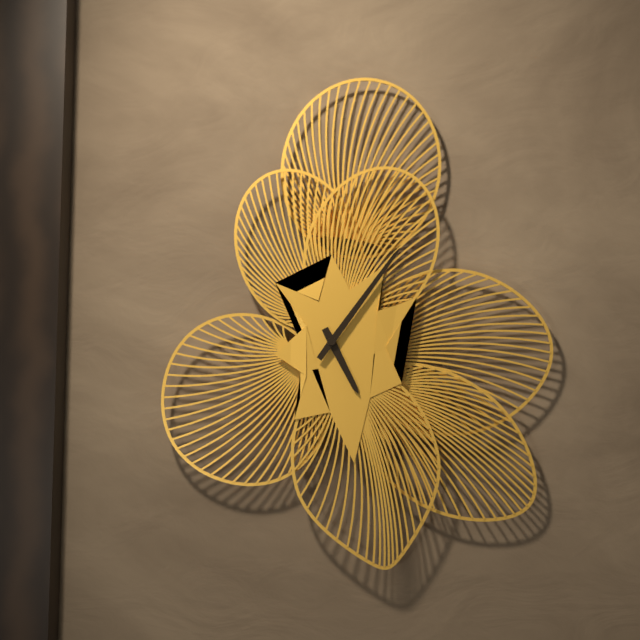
5:06
